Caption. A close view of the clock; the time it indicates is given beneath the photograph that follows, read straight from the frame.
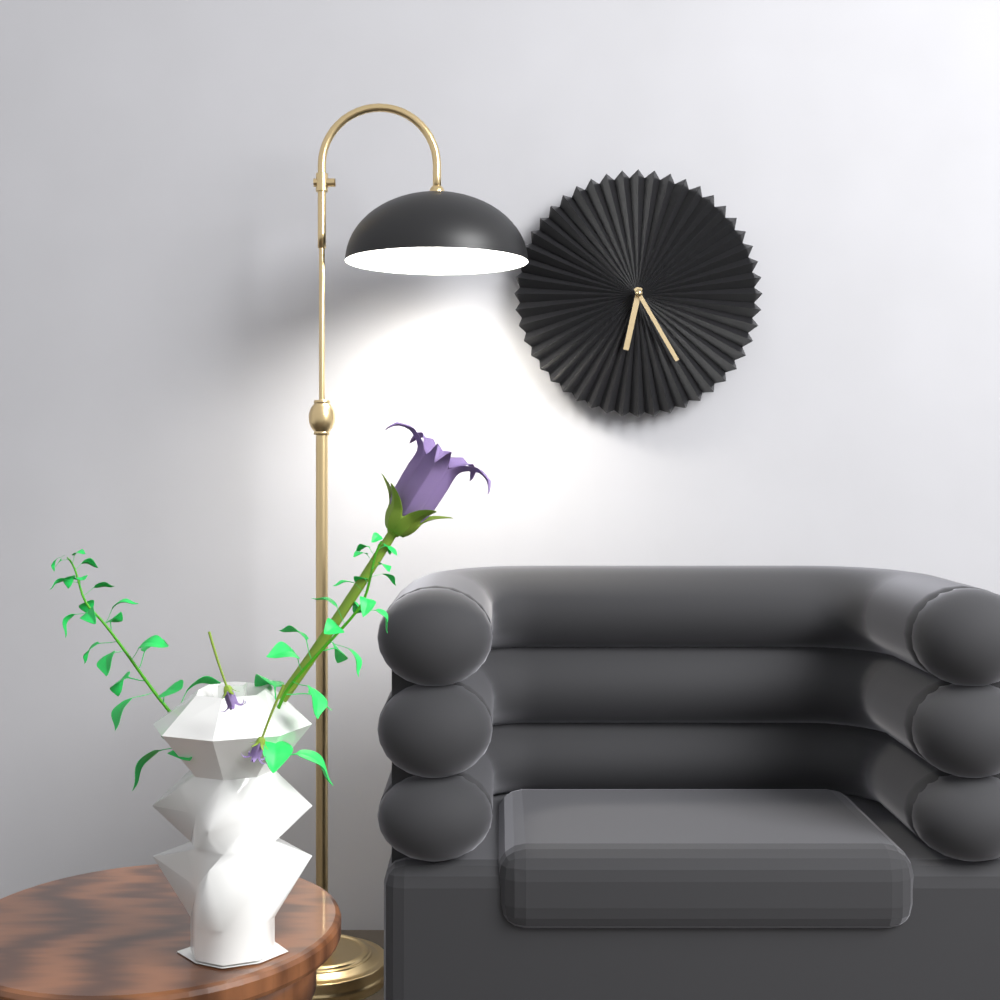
6:25
